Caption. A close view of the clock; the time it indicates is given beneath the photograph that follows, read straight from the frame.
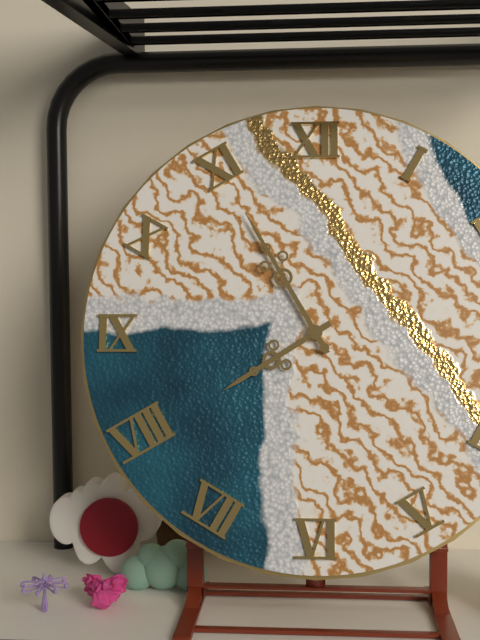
7:55
